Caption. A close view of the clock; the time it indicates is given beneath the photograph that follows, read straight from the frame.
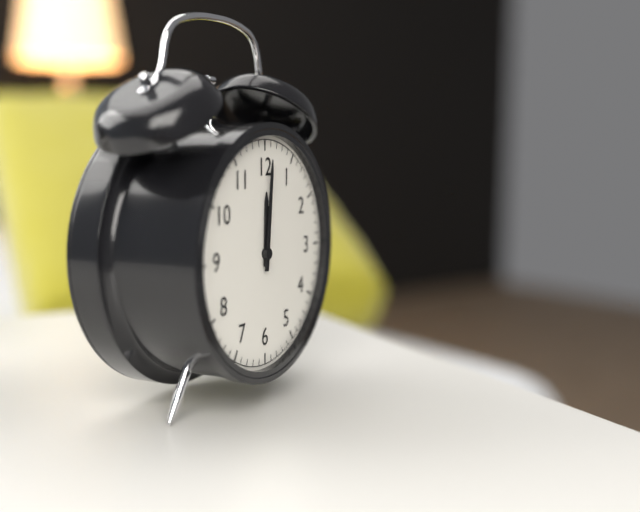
12:01
